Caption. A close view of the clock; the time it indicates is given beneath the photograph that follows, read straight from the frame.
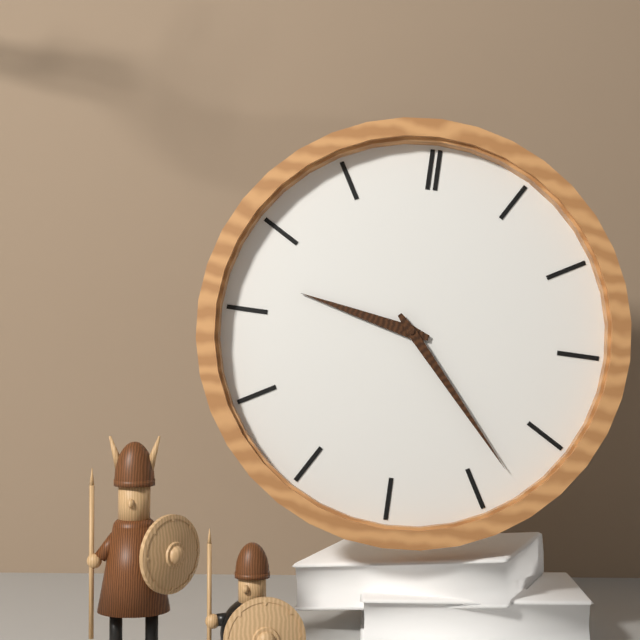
9:23
